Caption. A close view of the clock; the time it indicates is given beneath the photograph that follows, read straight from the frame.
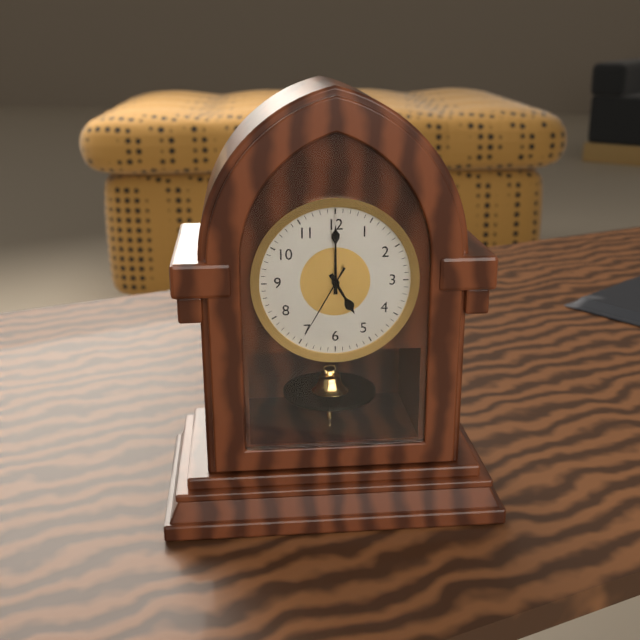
5:00:35
